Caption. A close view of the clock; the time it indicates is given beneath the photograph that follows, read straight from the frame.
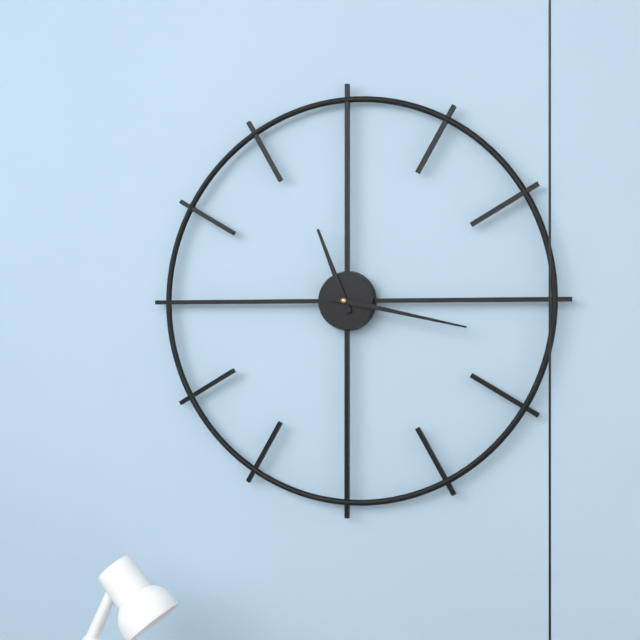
11:17
